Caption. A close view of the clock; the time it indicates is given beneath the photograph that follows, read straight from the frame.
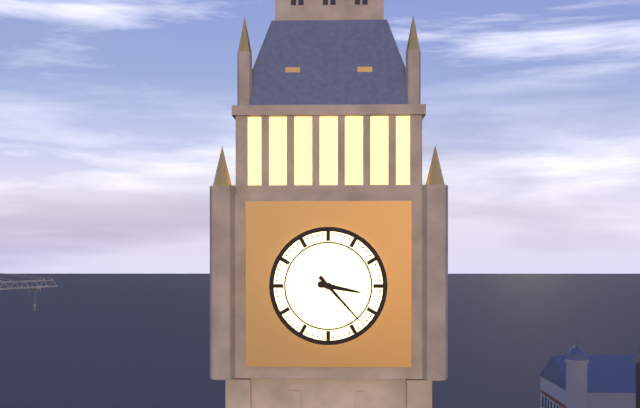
3:23
